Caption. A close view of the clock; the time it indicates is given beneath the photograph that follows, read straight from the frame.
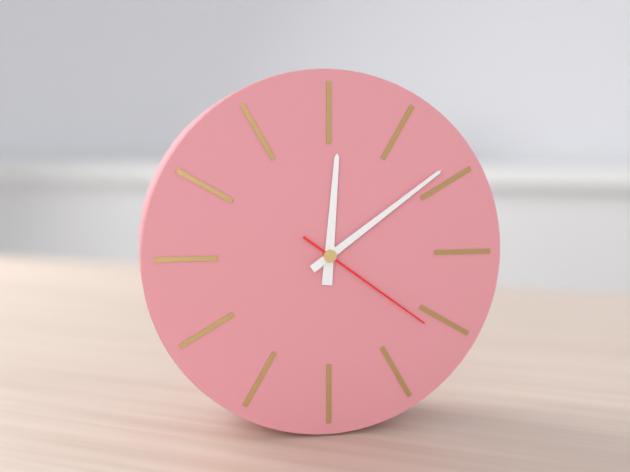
12:09:21
